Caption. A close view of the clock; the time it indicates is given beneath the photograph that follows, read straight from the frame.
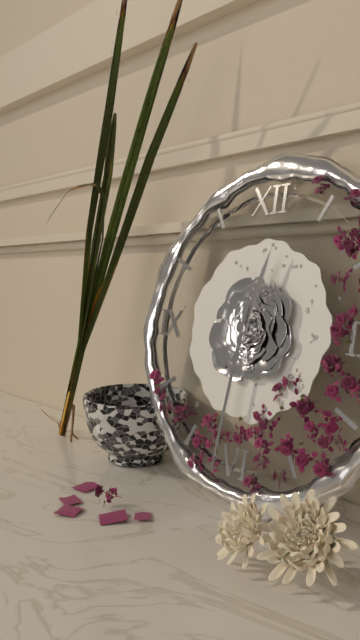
12:31
